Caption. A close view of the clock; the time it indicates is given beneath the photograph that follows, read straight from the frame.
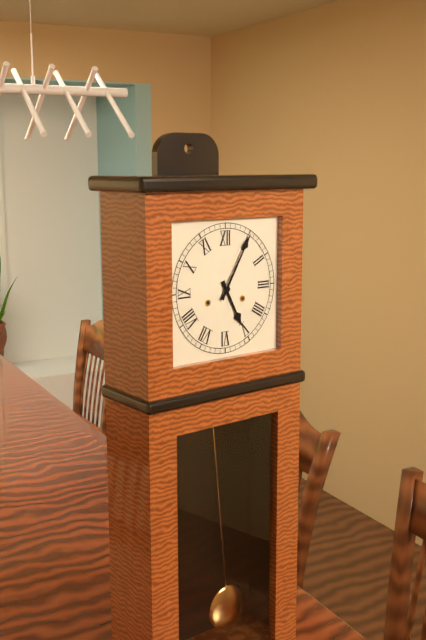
5:05
